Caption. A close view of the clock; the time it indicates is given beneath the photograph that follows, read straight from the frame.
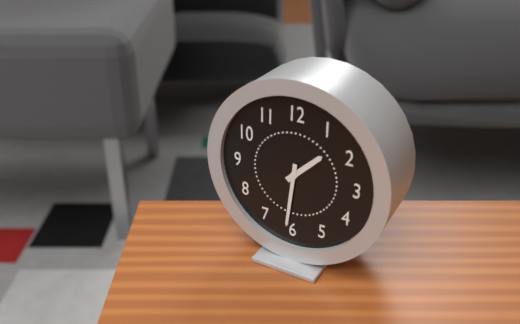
1:31
